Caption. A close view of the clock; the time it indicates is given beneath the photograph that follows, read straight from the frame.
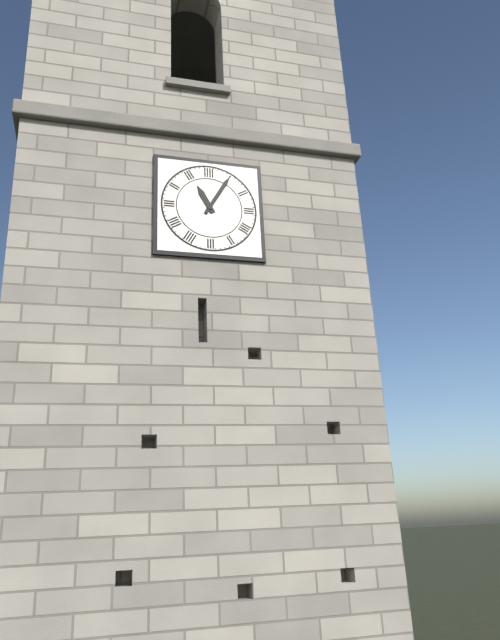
11:05
